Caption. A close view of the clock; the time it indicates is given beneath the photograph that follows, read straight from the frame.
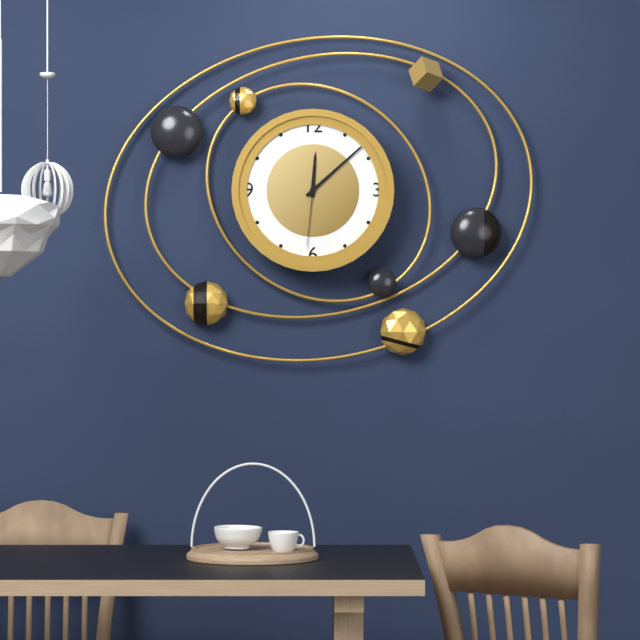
12:08:31
